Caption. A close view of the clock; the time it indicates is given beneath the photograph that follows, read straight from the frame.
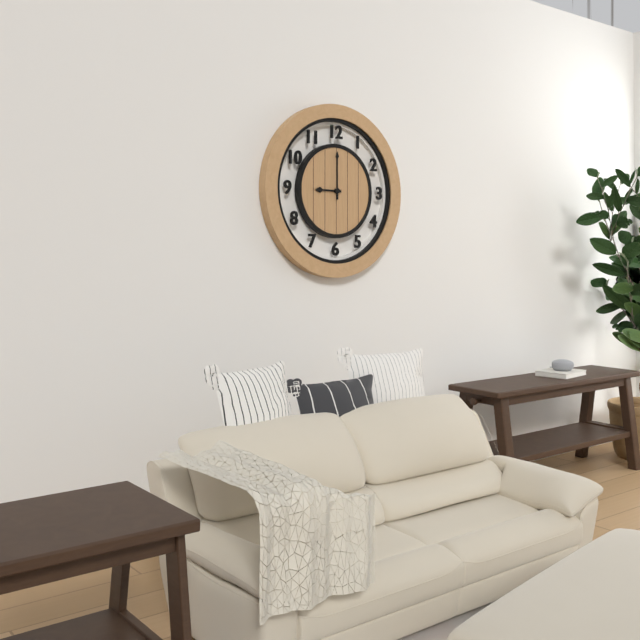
9:00
